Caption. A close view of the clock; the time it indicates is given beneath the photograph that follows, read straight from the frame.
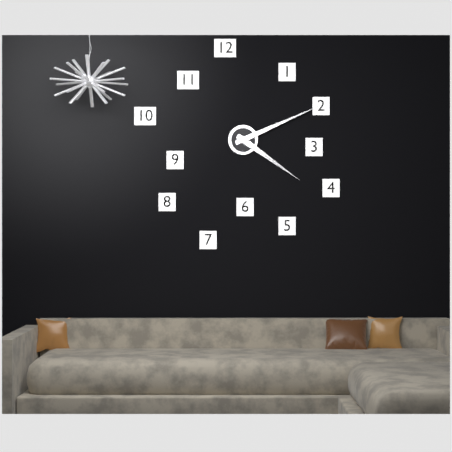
4:11
